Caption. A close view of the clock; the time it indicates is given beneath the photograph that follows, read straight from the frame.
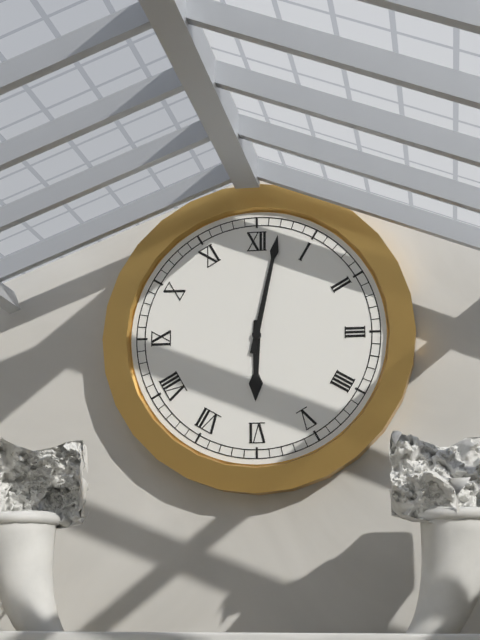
6:02
